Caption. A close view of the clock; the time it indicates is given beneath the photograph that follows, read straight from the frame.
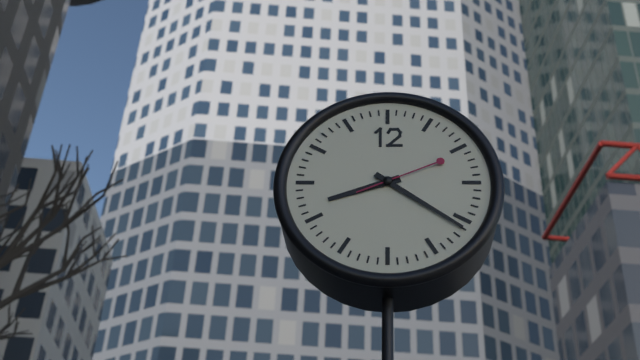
8:21:11
